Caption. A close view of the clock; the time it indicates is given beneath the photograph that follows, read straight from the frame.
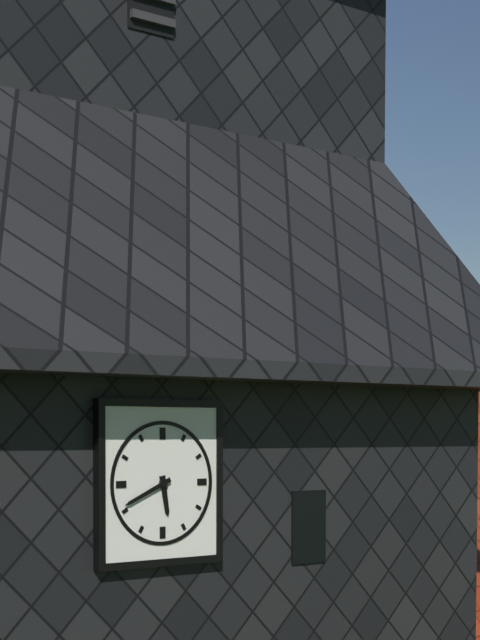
5:41
